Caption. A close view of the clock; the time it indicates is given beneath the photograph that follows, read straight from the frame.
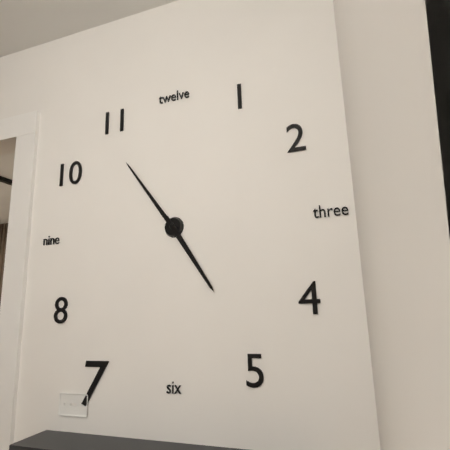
4:54
